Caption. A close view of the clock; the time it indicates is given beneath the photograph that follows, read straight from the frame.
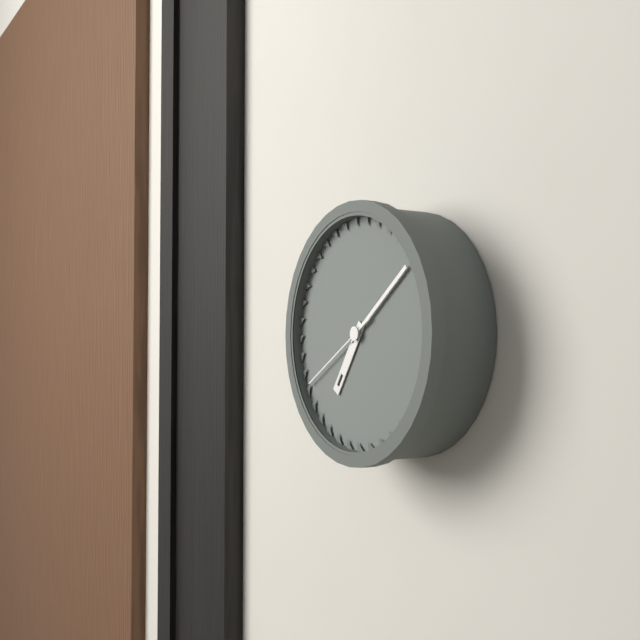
7:09:40
